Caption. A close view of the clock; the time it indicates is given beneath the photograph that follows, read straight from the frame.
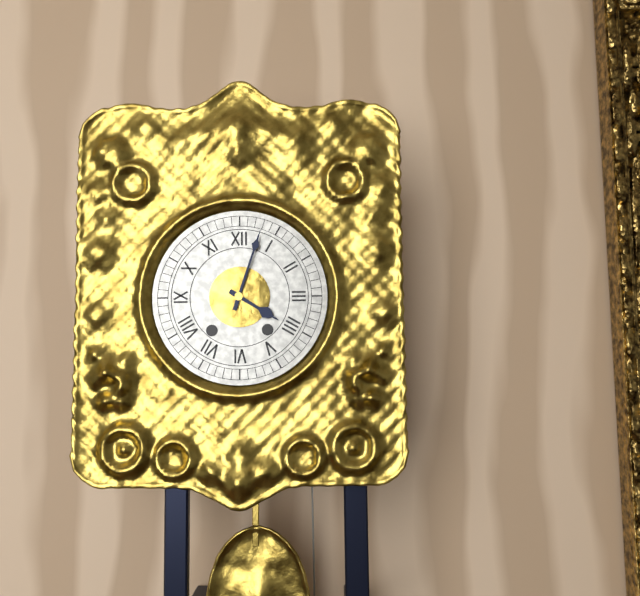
4:03
